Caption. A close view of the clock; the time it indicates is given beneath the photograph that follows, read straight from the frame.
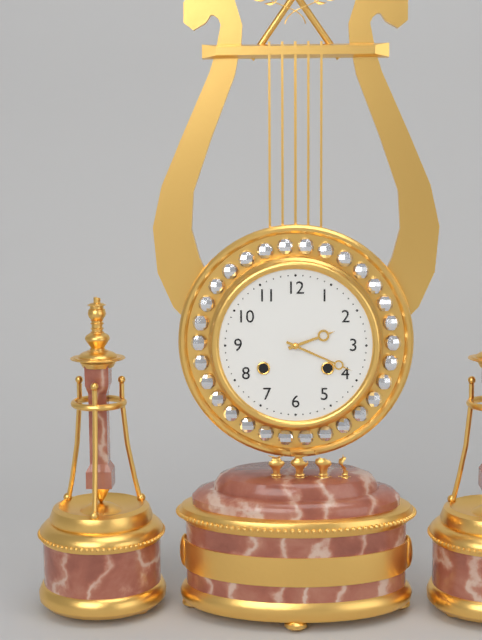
2:19
